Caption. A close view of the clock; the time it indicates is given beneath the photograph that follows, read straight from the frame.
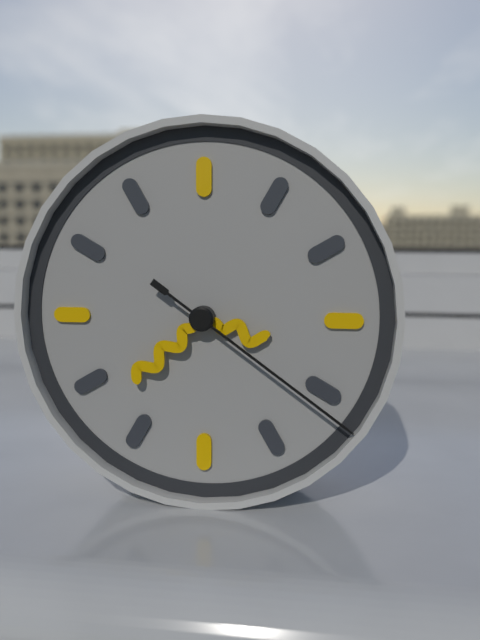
3:38:21
